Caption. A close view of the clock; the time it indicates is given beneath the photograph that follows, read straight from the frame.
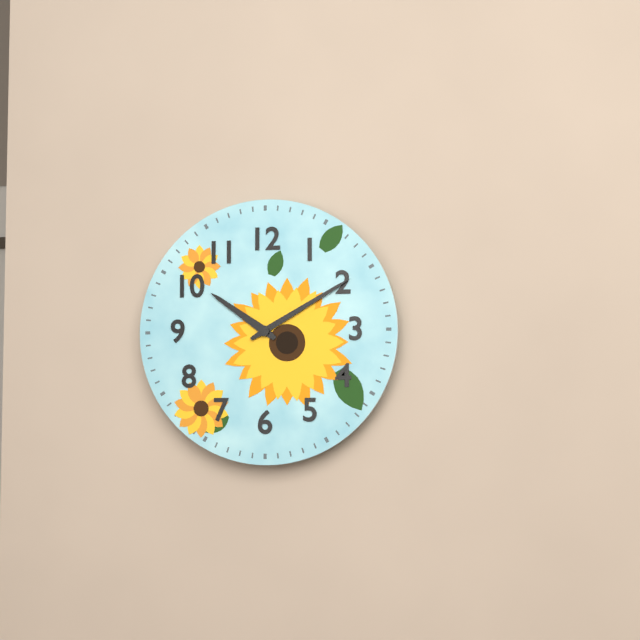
10:10
